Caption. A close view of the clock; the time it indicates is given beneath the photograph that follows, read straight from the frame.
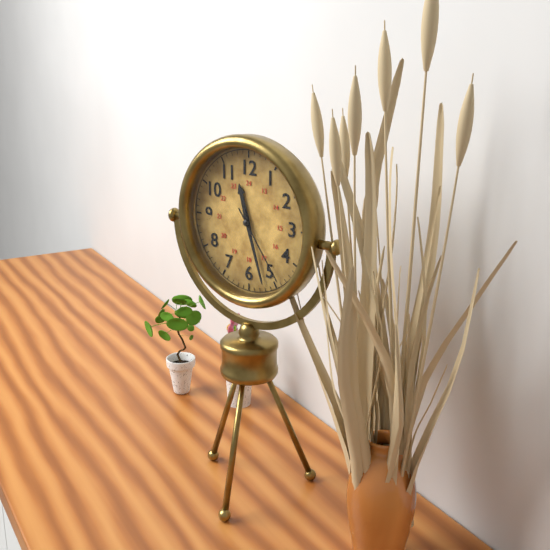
11:27:24
